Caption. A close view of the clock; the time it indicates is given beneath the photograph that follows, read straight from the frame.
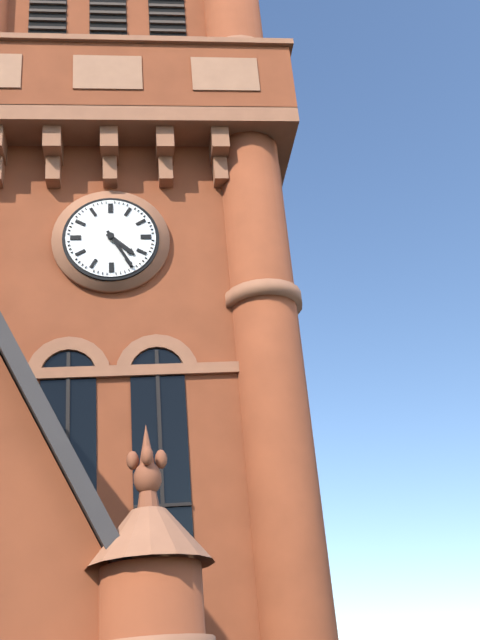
4:25
